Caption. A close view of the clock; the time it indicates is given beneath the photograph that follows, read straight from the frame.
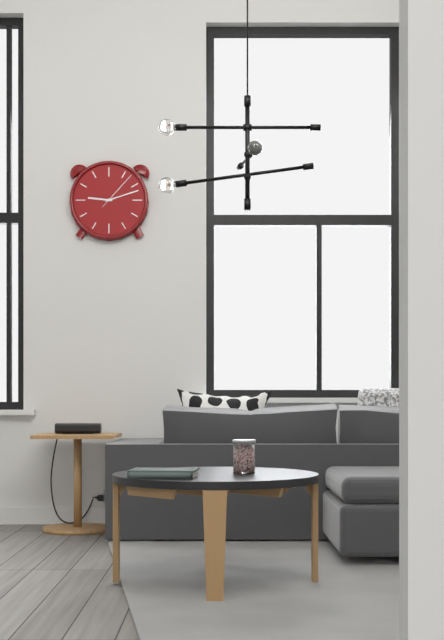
9:12
